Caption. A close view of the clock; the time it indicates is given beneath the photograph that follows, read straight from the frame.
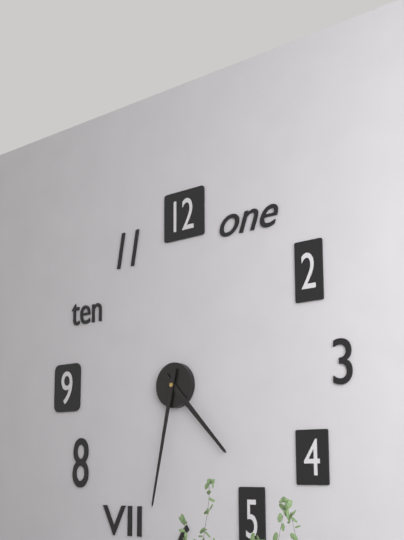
4:32
